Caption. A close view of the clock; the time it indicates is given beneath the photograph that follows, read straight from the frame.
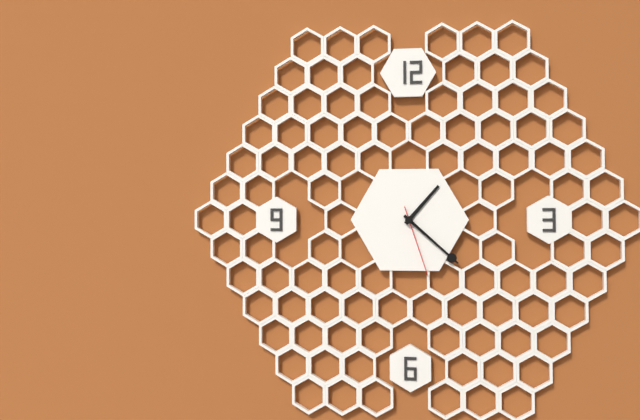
1:22:27
